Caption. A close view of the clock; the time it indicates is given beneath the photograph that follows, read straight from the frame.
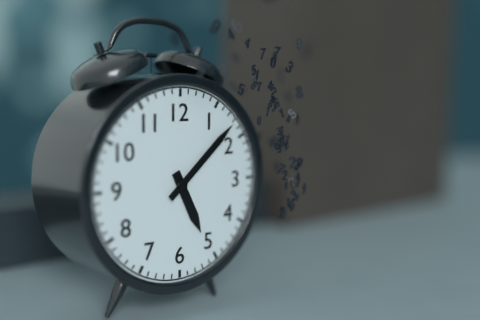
5:08
